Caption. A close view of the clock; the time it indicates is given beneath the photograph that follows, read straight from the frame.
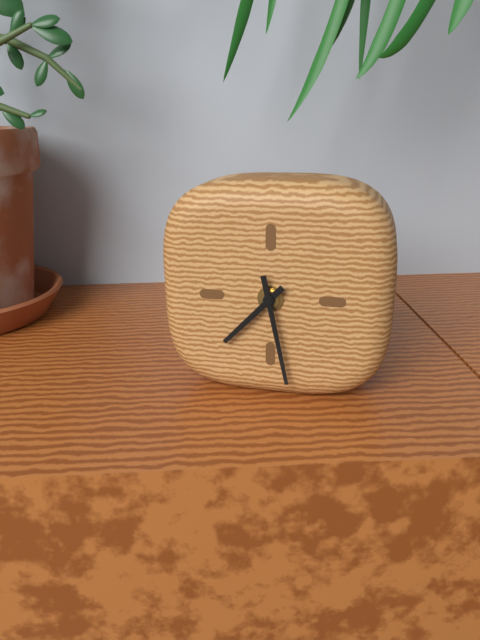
7:28
